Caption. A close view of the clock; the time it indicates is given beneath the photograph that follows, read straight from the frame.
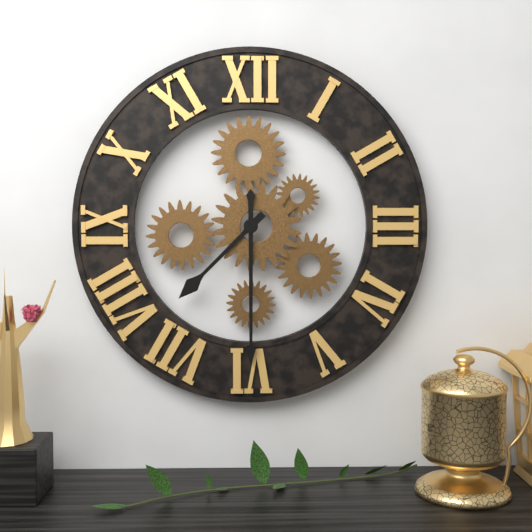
7:30
